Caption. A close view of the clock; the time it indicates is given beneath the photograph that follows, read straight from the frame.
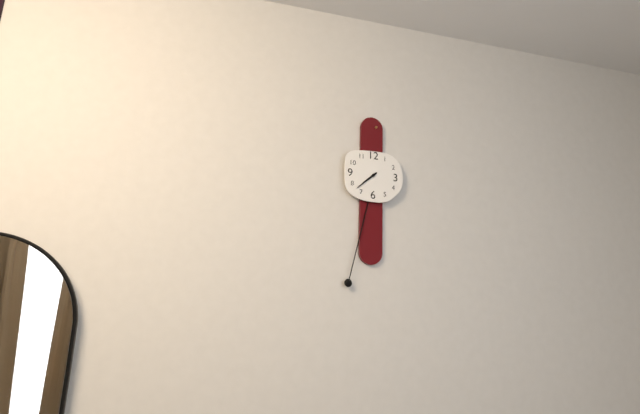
7:38
